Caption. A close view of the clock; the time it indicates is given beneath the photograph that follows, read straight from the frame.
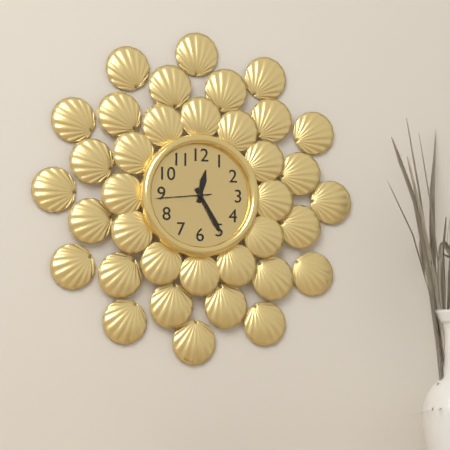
12:25:44
